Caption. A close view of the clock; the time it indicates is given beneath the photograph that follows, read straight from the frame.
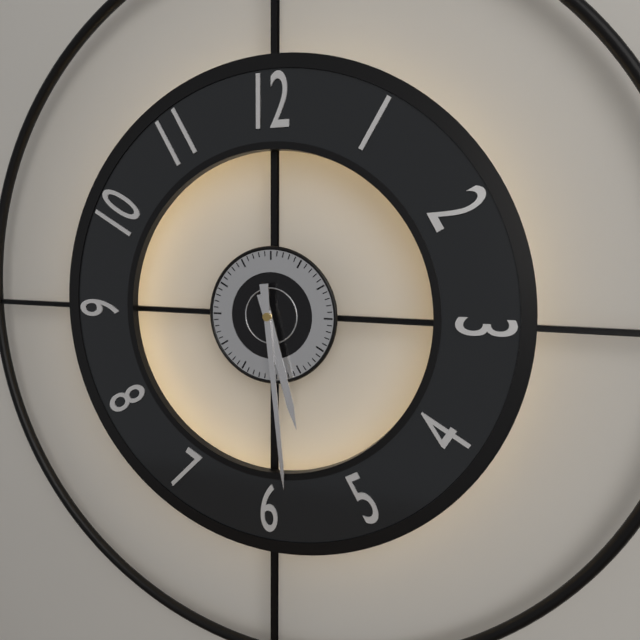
5:29
